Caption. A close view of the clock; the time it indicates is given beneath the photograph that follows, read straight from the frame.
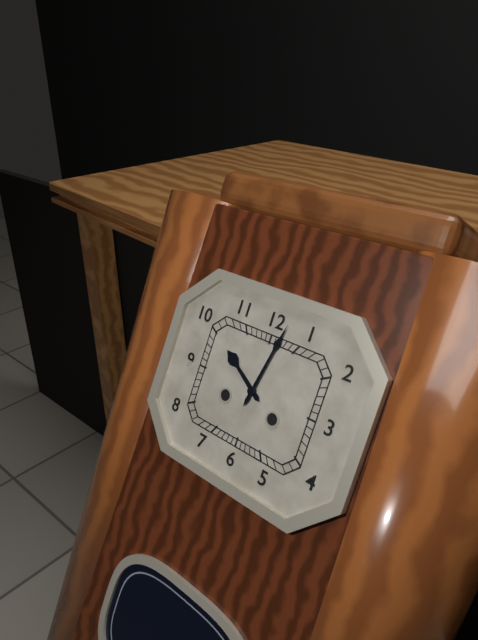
10:02
